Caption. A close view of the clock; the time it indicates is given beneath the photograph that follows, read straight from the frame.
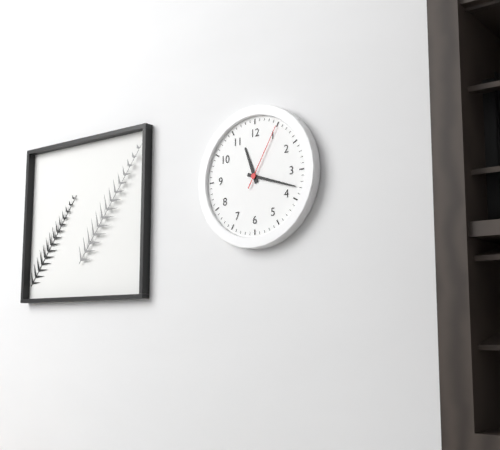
11:18:05
